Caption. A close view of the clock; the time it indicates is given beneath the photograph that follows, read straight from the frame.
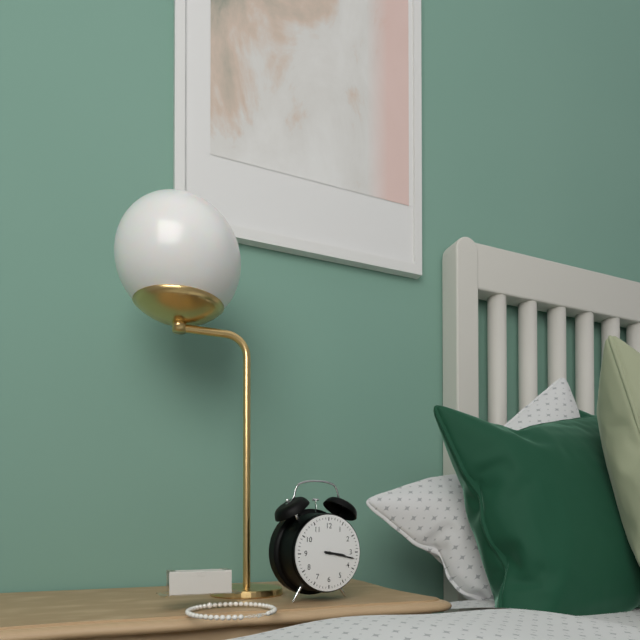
3:17
